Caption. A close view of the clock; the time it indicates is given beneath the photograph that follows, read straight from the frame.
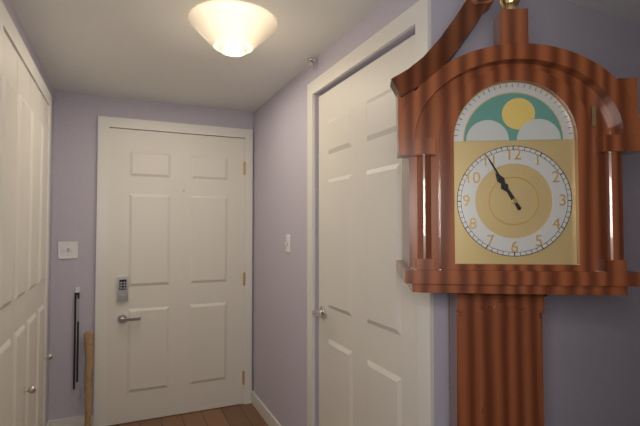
10:55
